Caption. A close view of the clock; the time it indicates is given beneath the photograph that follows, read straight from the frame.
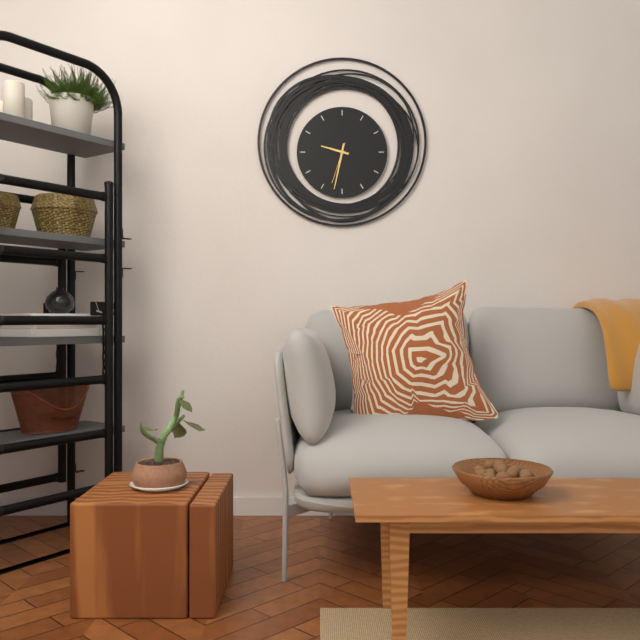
9:32
